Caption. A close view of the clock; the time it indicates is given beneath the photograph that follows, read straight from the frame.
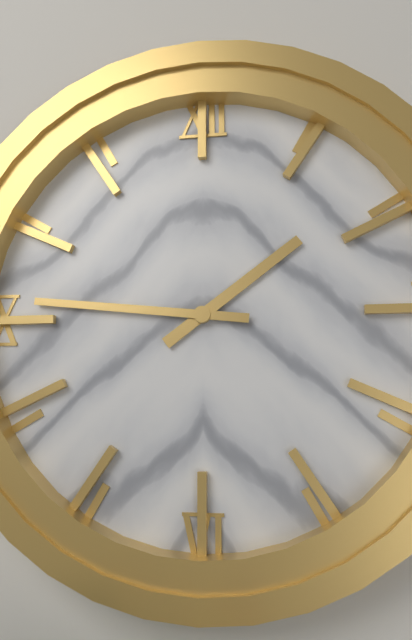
1:46
